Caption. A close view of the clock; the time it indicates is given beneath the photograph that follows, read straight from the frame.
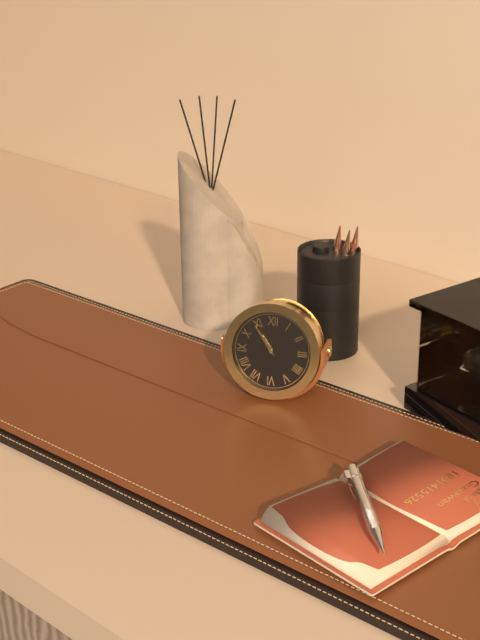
10:54
